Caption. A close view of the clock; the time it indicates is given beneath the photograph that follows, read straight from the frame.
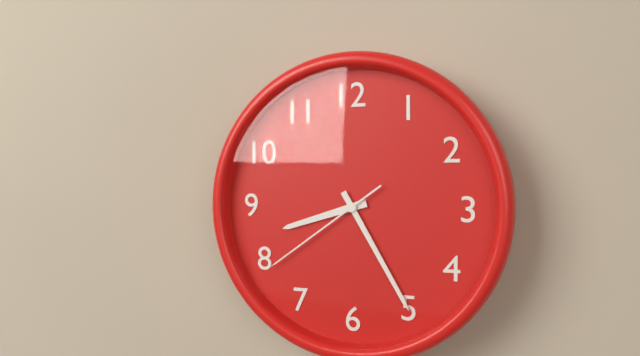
8:25:39
